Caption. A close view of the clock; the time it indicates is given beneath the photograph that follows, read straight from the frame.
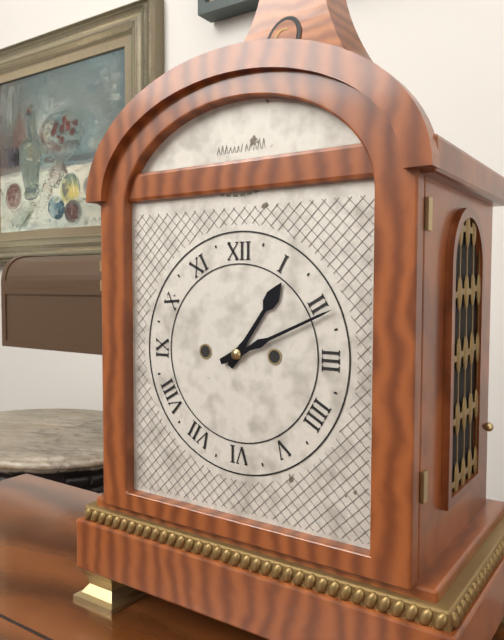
1:11
